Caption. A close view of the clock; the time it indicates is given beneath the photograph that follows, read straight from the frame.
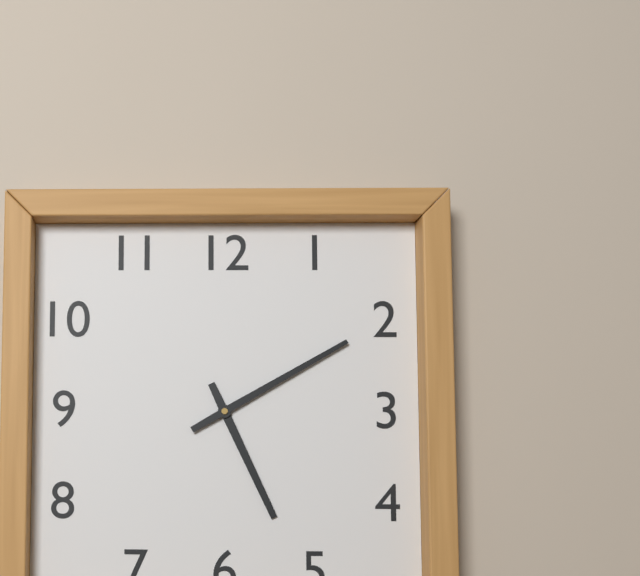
5:10
